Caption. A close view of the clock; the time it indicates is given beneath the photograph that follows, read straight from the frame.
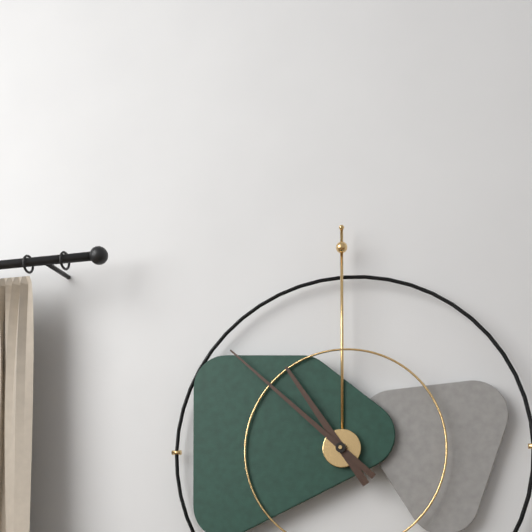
10:52
